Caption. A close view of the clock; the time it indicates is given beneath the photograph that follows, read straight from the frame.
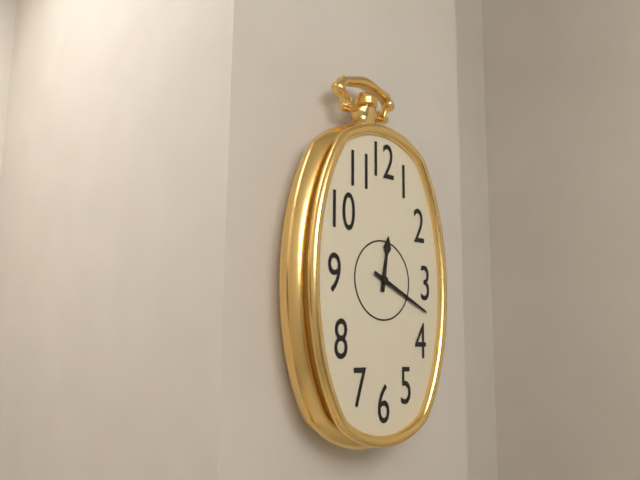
12:19
